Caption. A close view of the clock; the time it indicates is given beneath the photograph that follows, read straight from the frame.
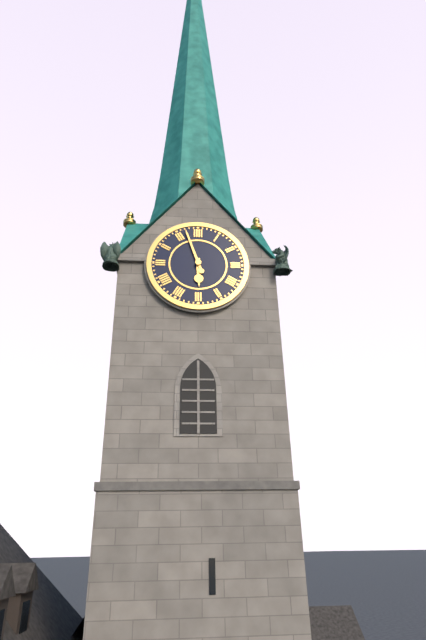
5:57
